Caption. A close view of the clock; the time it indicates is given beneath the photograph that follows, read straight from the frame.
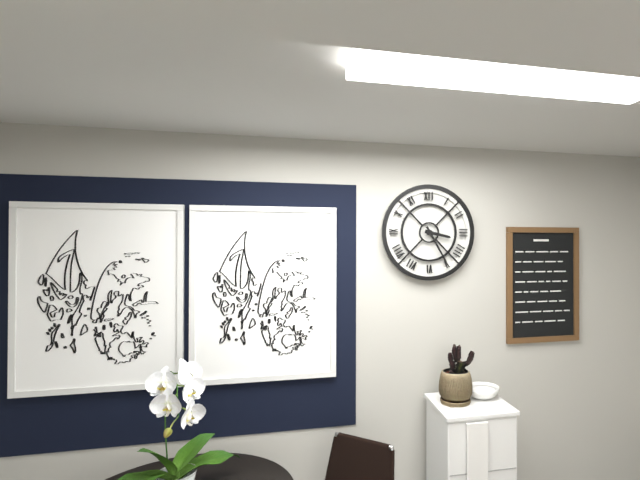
3:25
